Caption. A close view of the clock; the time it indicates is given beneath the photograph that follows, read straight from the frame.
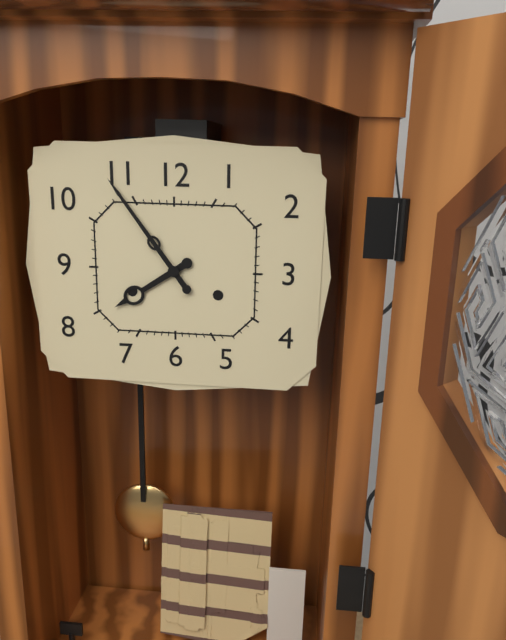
7:54
